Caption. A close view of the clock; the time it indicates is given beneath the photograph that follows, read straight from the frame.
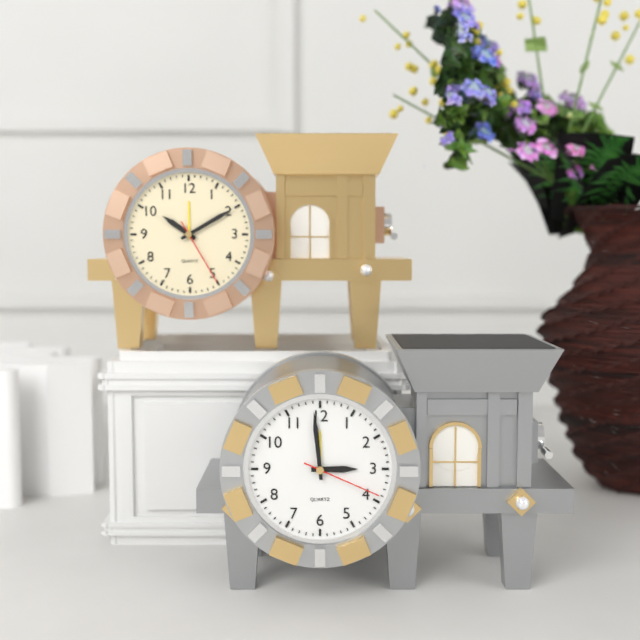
2:59:19
